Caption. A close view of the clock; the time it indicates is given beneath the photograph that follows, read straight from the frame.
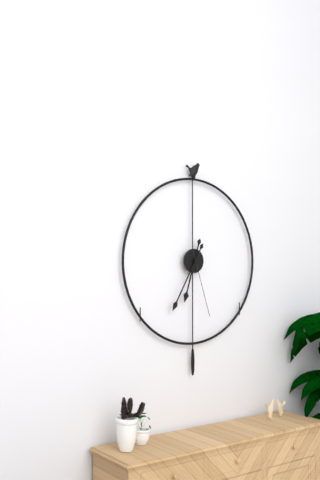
6:35:27
